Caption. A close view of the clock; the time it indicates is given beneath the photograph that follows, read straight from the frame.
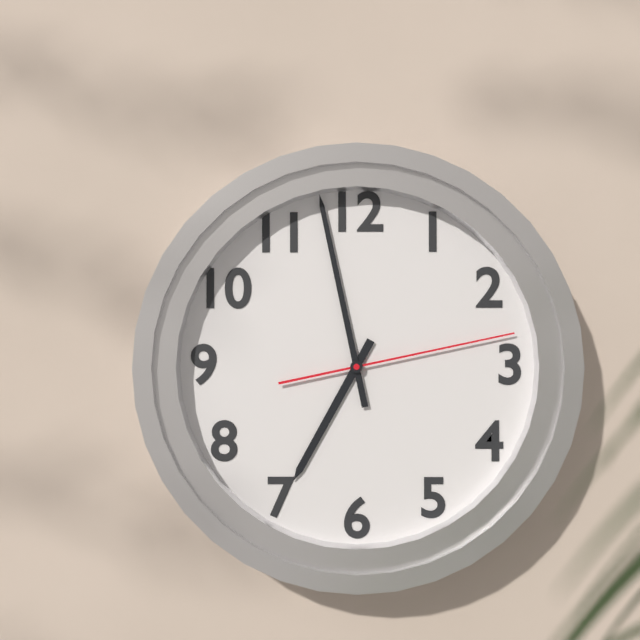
6:58:13
